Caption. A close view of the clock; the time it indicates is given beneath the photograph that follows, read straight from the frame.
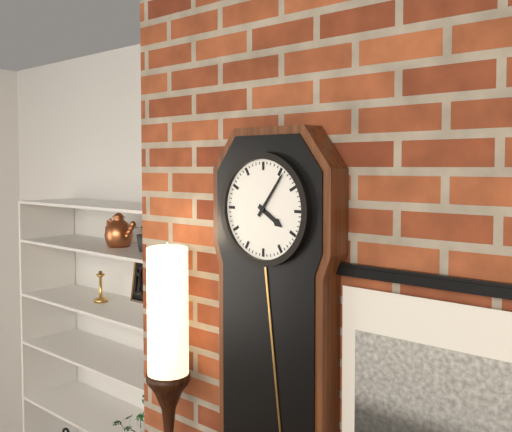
4:06
